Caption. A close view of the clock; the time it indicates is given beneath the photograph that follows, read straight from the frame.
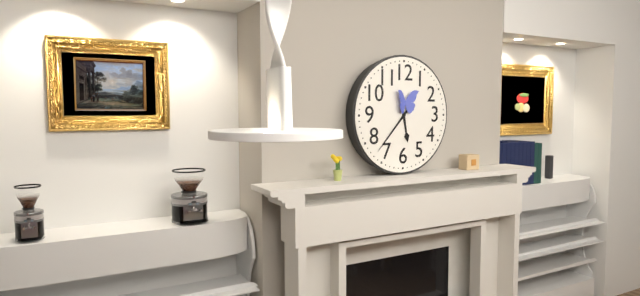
5:37
